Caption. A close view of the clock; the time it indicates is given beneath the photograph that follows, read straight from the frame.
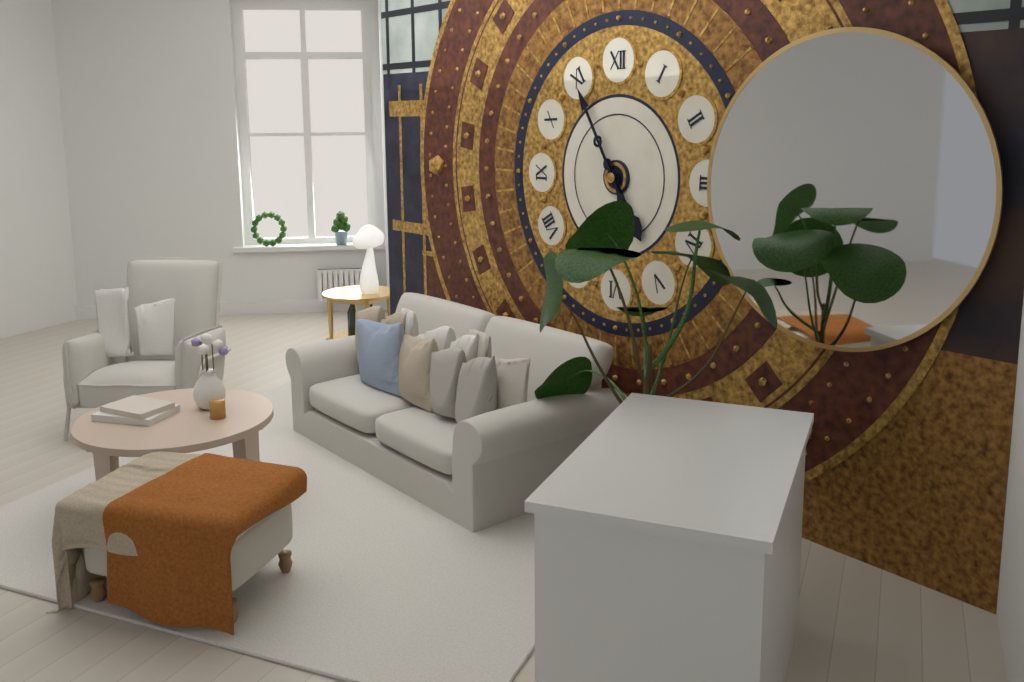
4:55
